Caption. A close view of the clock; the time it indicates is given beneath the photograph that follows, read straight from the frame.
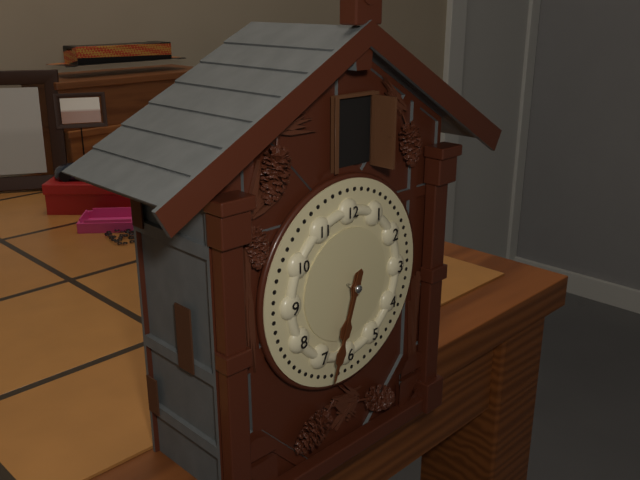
6:33
